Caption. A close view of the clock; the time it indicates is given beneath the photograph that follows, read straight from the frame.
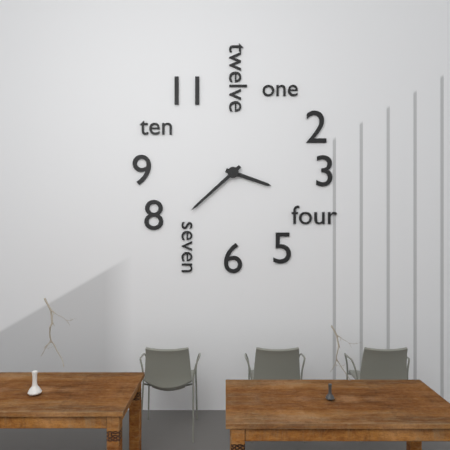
3:38
